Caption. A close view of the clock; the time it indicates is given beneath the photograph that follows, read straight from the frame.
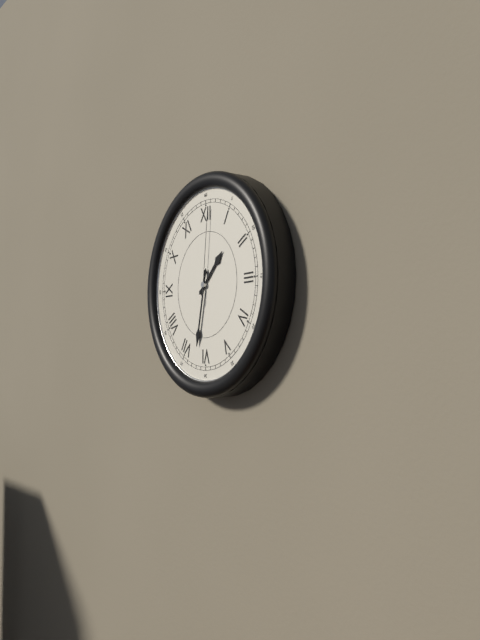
1:32:01
